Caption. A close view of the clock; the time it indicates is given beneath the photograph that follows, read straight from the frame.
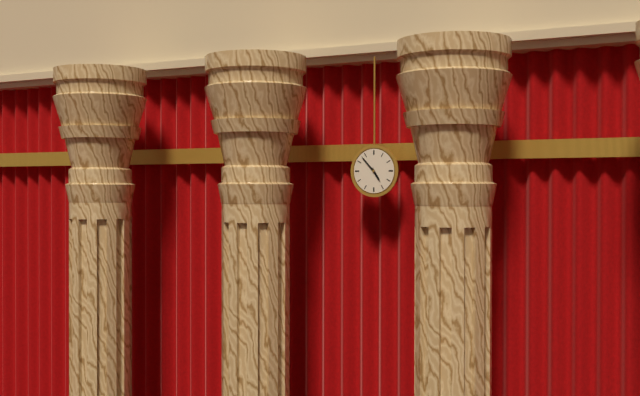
4:53
